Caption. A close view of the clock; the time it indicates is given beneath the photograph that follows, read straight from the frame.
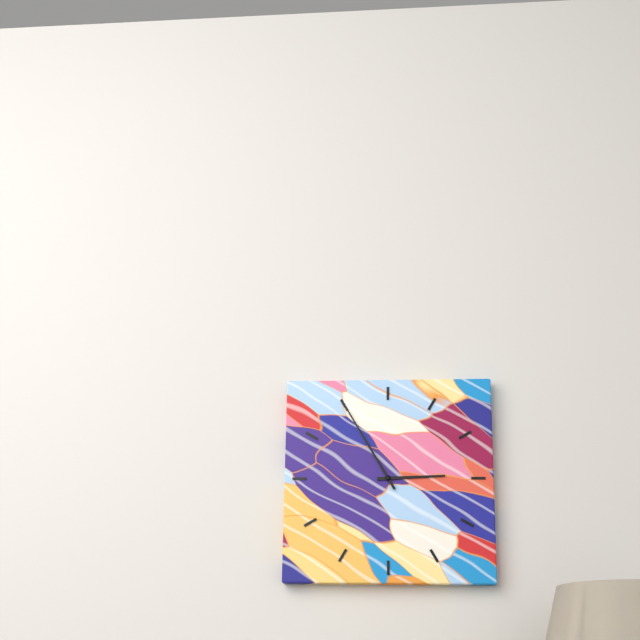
2:55
